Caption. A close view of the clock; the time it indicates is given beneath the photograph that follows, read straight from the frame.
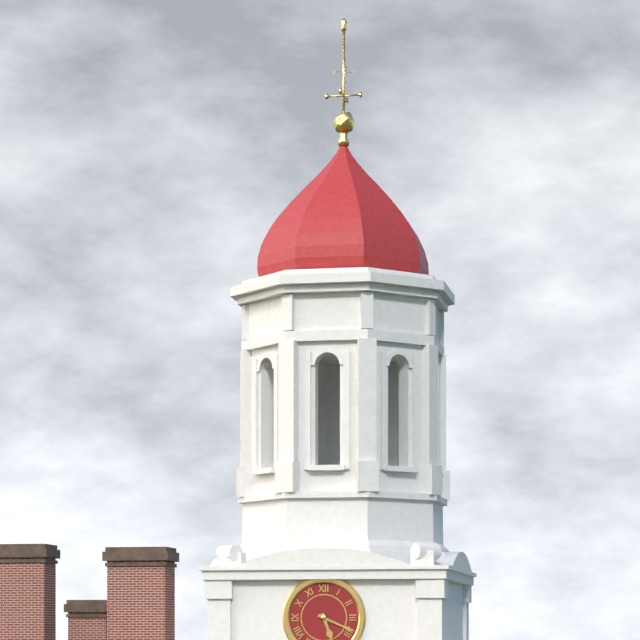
5:19
